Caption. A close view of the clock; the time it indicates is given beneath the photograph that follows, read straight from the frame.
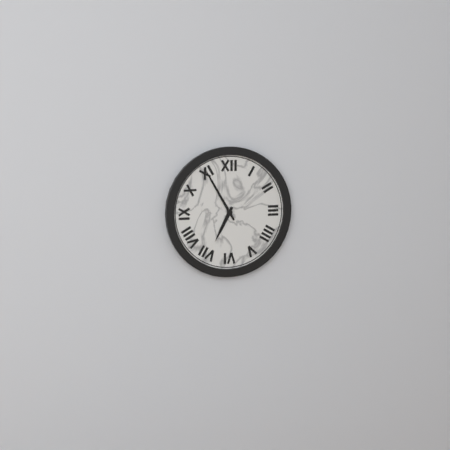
6:55
